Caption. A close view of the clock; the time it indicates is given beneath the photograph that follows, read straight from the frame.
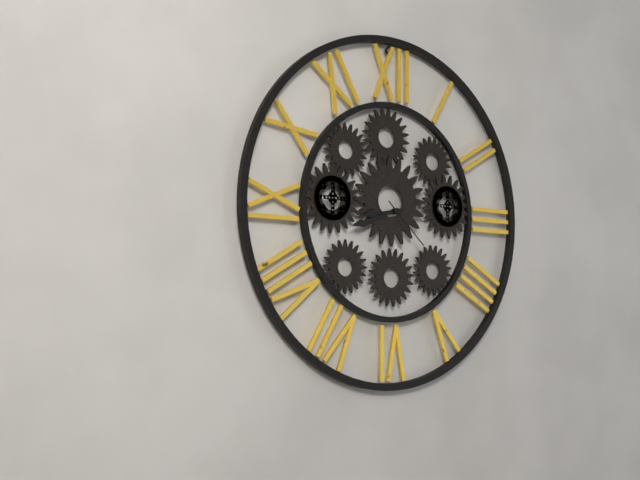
8:42:22
